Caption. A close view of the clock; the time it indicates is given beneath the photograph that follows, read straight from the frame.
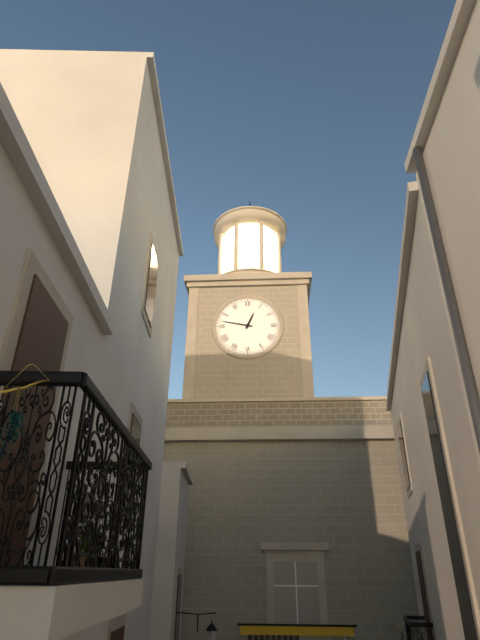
12:47
